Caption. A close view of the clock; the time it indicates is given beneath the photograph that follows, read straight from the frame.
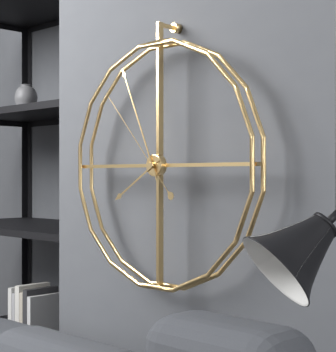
7:56:53
